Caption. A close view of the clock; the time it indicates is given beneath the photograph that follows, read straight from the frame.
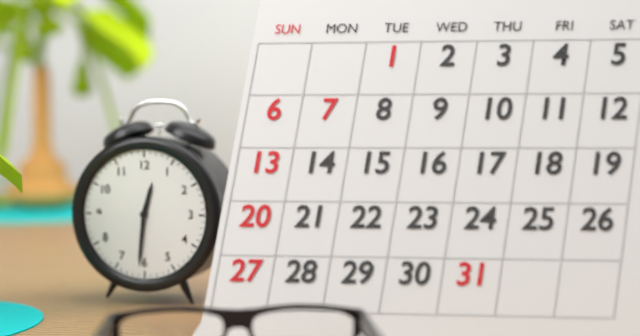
12:31
